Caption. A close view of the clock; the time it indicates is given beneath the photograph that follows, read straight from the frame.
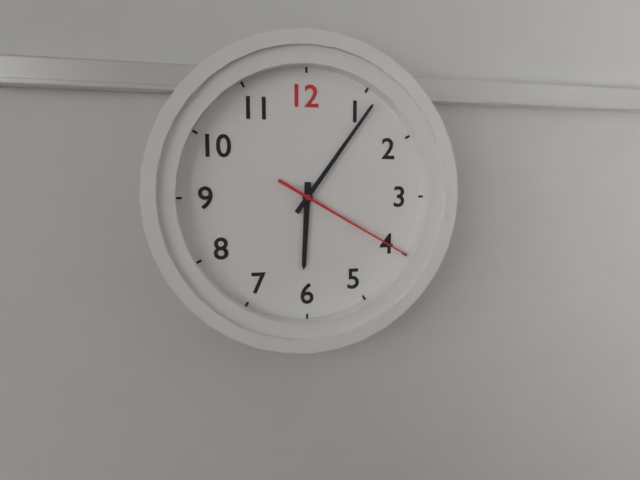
6:06:20
